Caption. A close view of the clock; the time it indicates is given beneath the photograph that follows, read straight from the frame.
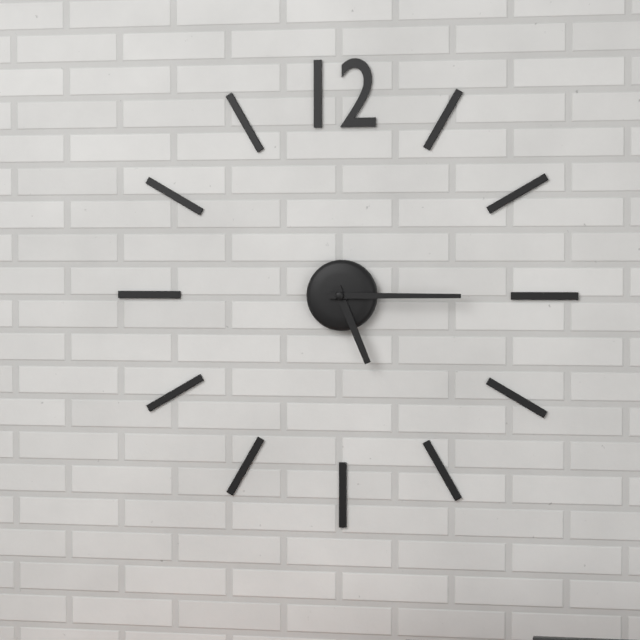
5:15
